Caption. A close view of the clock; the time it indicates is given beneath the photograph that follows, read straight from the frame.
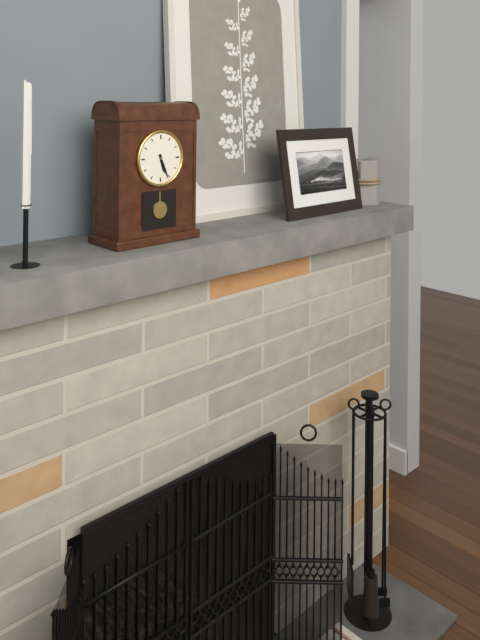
5:26
